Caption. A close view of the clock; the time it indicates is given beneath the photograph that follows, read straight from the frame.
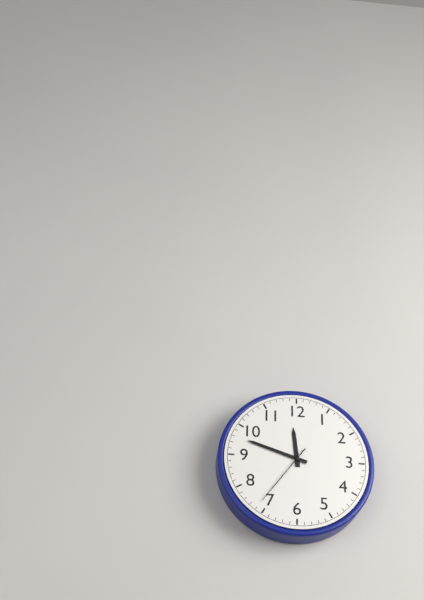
11:48:36
